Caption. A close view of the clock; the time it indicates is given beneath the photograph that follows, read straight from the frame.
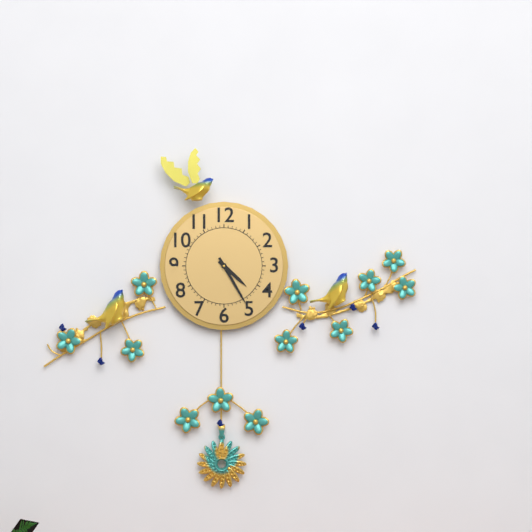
4:25
